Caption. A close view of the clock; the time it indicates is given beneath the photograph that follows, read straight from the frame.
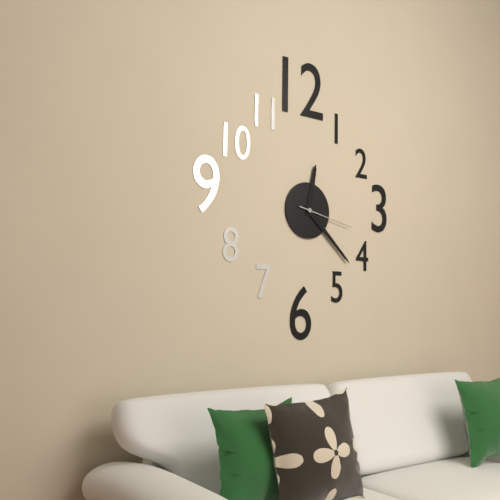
12:22:17
